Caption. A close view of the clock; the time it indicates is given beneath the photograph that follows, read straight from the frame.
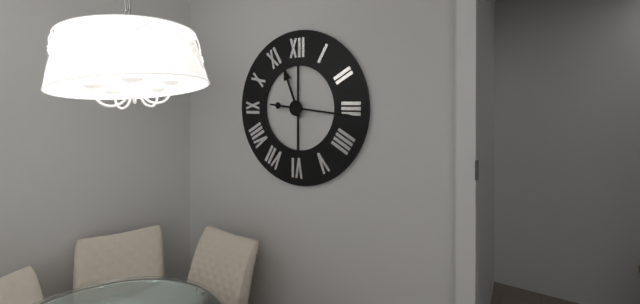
11:16
